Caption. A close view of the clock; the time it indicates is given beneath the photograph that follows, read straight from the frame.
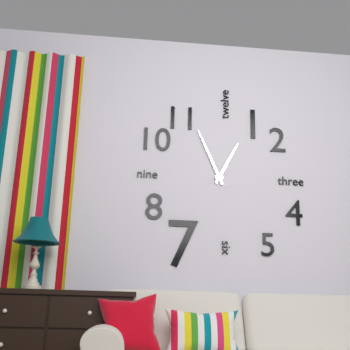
12:56
